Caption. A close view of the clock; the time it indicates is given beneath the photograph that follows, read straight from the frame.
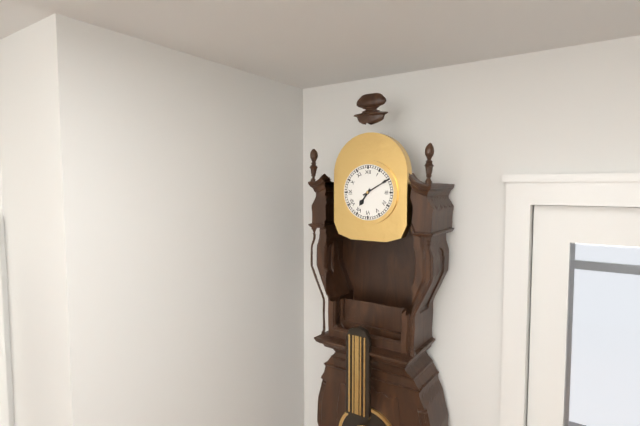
7:10
